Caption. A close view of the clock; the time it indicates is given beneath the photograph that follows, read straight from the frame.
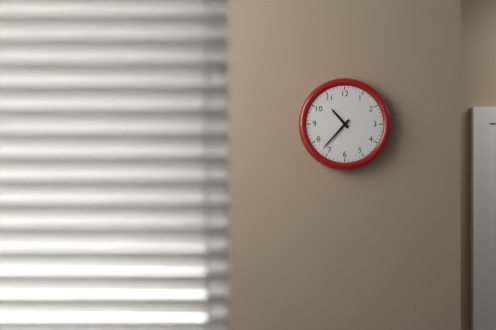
10:37
